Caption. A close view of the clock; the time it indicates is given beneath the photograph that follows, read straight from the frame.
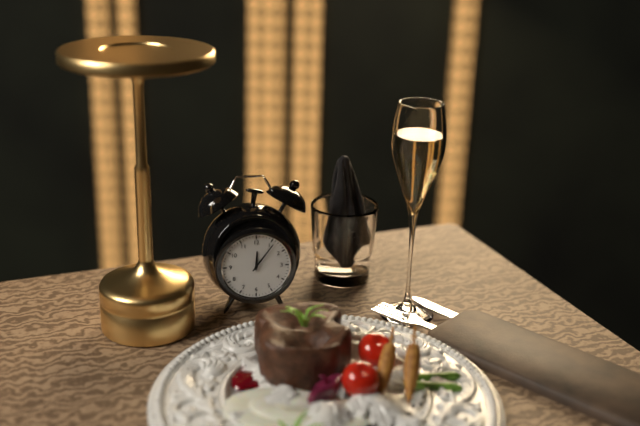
12:06
